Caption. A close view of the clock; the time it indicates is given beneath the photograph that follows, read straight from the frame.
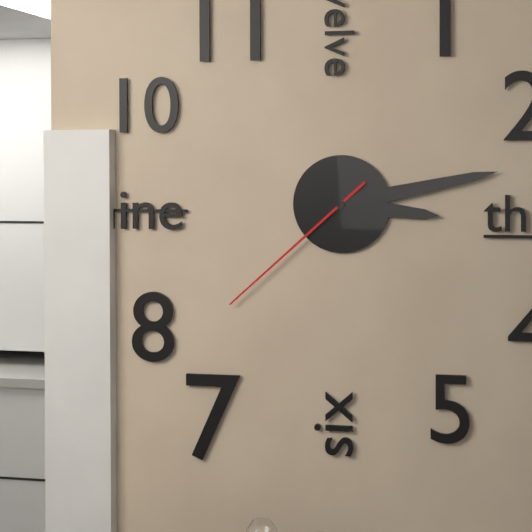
3:13:38
